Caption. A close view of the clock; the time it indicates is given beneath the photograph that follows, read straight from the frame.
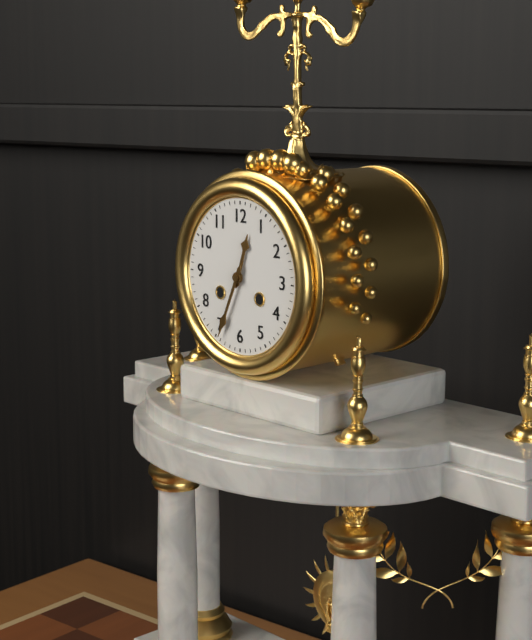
12:34
